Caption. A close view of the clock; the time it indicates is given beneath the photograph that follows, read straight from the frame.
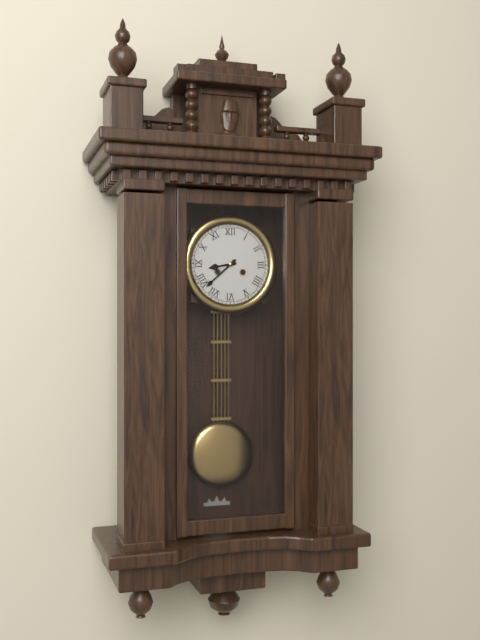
8:38
